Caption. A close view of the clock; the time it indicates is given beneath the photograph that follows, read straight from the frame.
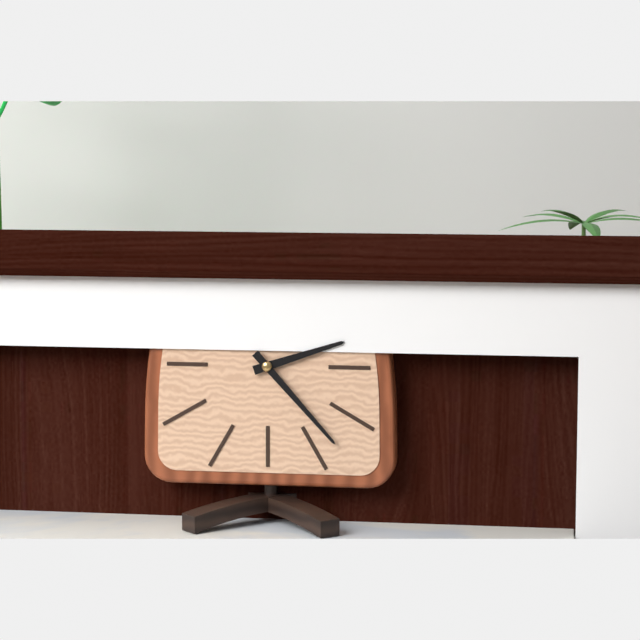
2:23
